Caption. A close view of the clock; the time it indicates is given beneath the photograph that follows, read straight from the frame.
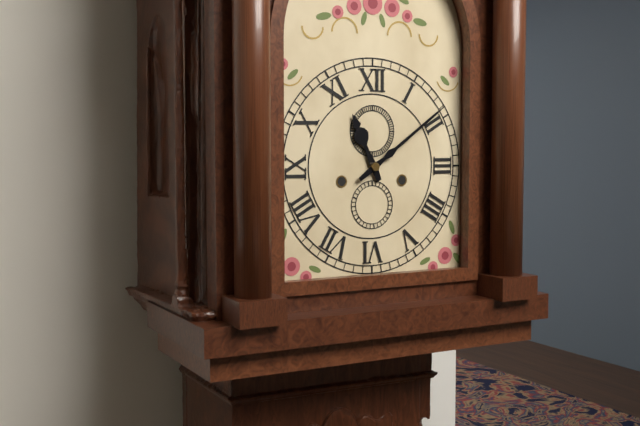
11:09
